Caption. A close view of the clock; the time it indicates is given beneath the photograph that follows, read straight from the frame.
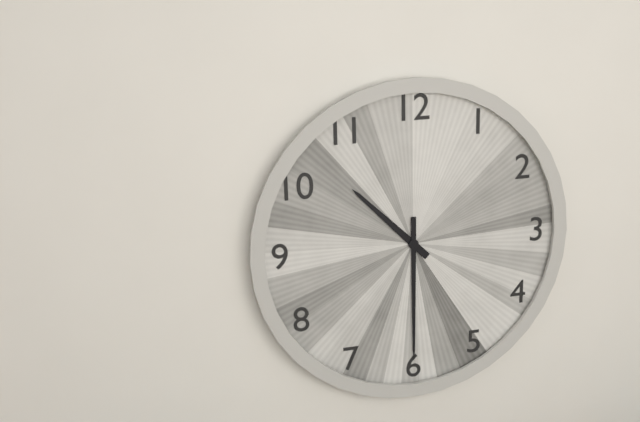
10:30
